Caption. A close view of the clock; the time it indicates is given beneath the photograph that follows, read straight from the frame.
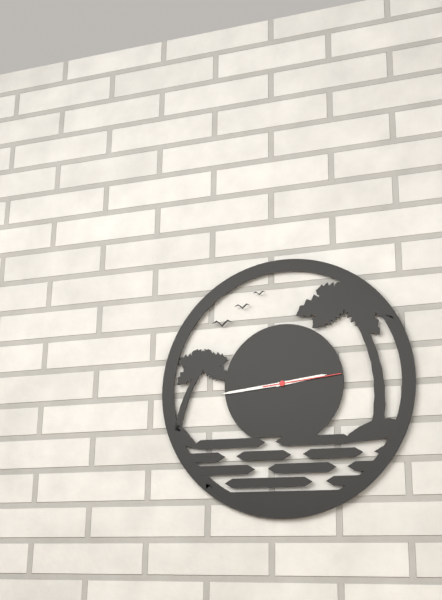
2:44:14
